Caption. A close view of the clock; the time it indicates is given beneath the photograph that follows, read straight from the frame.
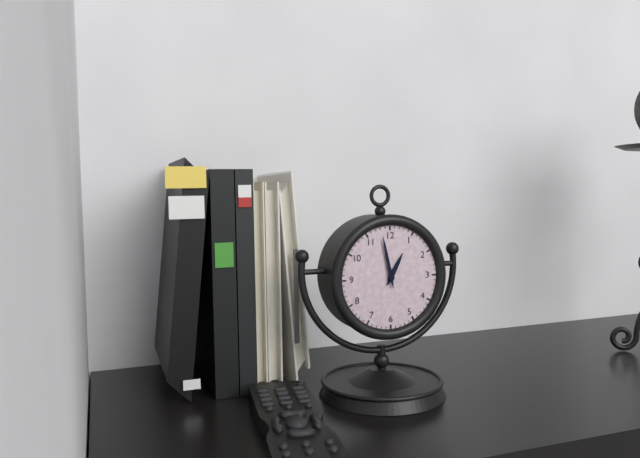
12:58
